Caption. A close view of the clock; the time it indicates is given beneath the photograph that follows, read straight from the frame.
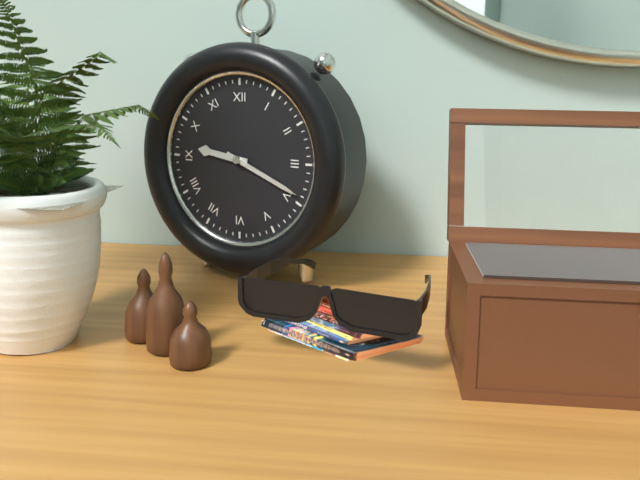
9:19
